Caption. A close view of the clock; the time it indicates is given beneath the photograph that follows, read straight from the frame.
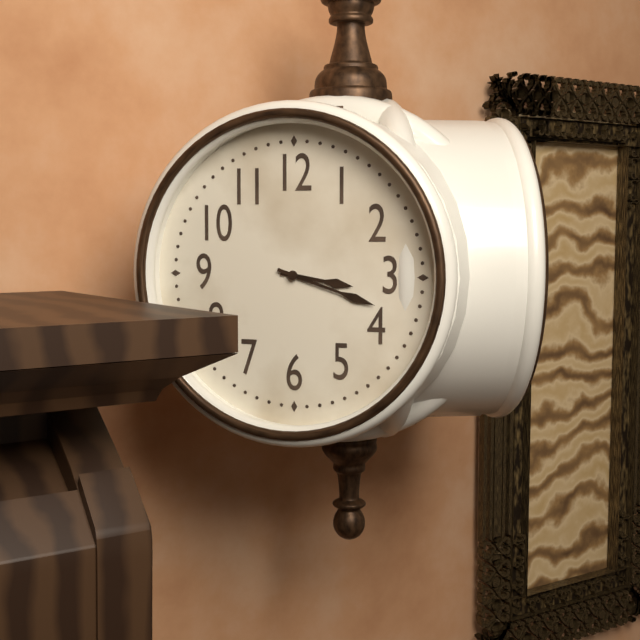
3:18
